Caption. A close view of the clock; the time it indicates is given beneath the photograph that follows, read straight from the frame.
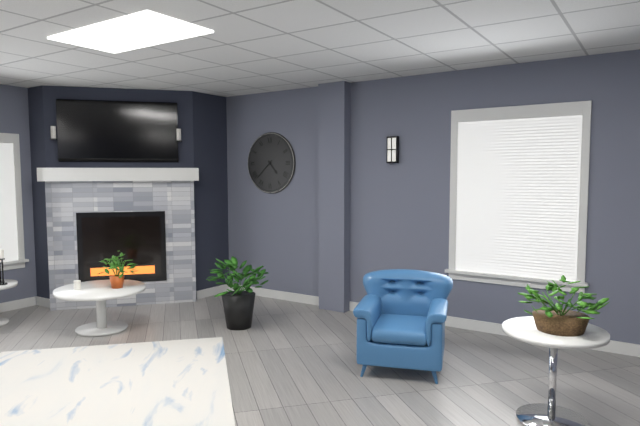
4:38
